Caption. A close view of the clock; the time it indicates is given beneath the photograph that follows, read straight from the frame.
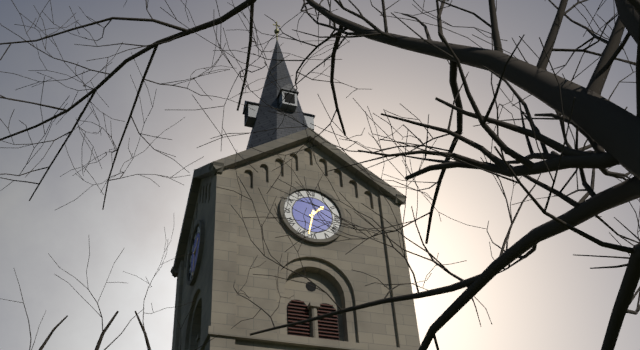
1:32
